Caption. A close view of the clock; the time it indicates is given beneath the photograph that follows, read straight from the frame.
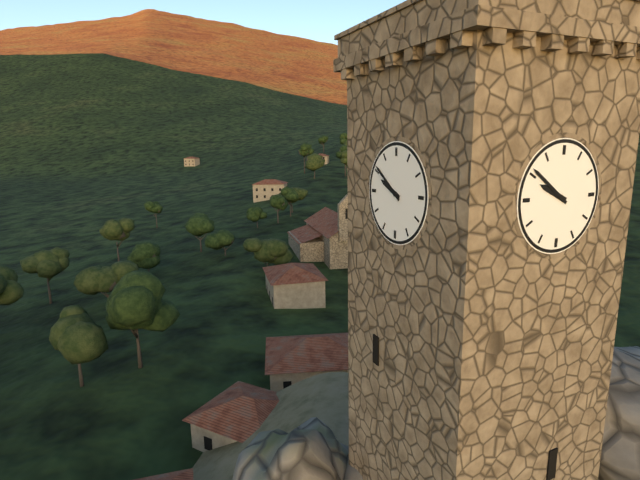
9:51
